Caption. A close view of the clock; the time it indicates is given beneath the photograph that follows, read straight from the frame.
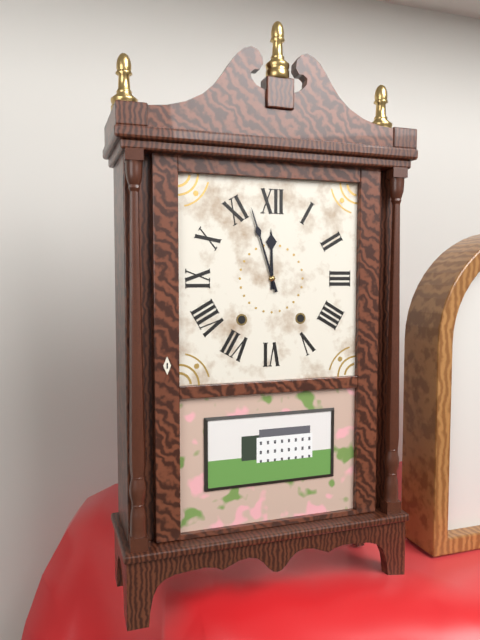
11:57
